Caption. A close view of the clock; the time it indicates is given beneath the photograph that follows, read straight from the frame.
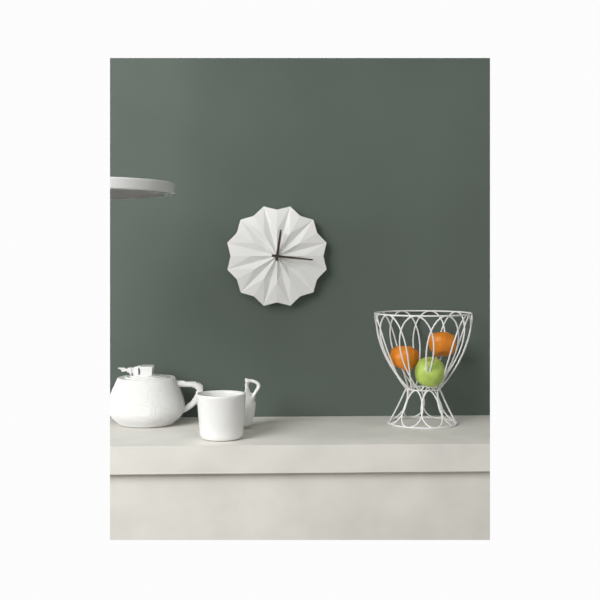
12:16
